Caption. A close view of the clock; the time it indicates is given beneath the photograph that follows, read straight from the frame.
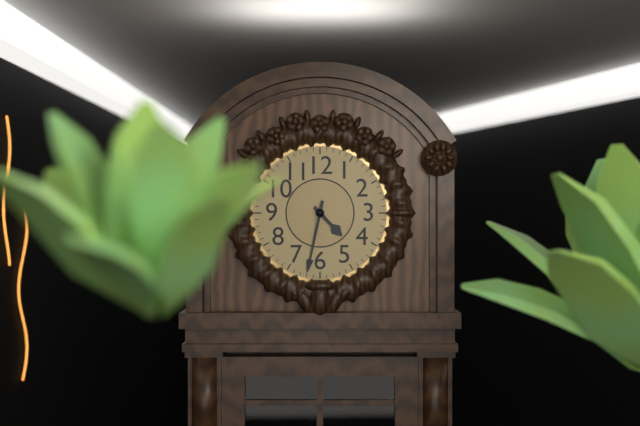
4:32
